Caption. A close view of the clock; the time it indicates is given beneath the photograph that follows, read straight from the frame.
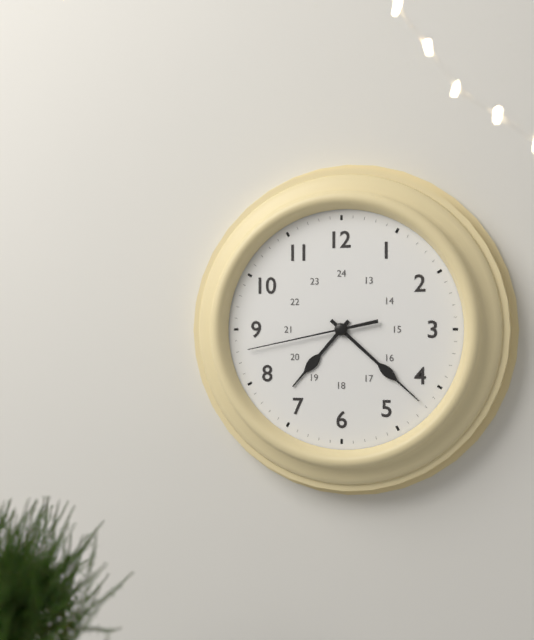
7:22:43
